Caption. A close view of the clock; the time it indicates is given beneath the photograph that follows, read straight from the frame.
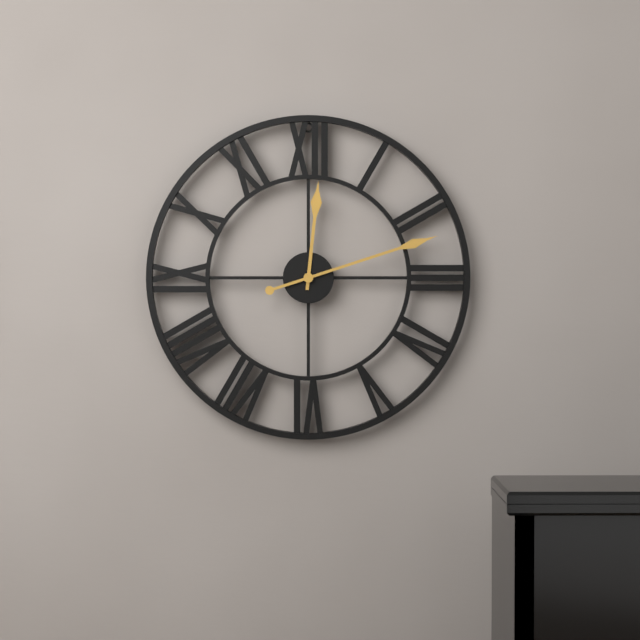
12:12
